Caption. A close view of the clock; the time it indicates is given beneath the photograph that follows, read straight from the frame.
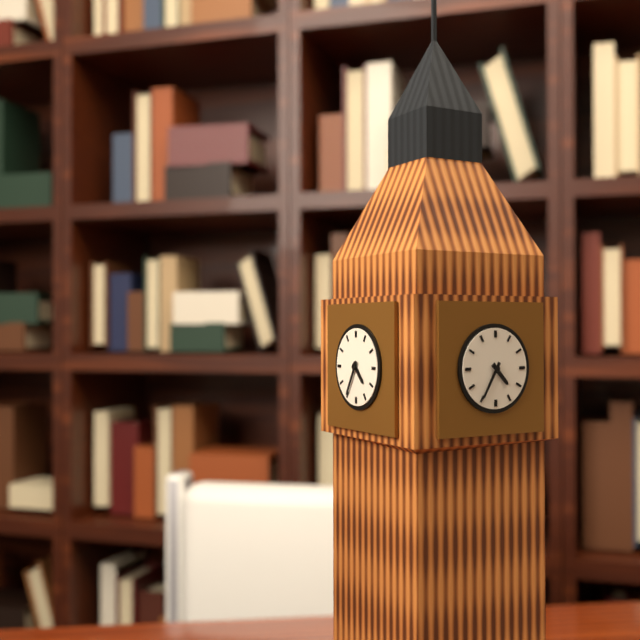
4:35
